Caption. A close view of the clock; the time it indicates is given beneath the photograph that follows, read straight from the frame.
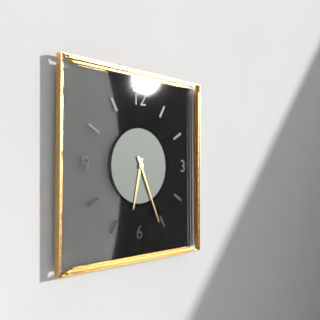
6:26
